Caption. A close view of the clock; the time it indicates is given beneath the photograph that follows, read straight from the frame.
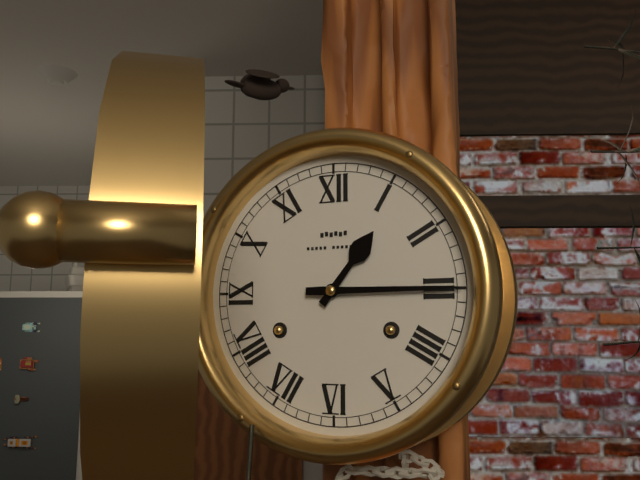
1:15
